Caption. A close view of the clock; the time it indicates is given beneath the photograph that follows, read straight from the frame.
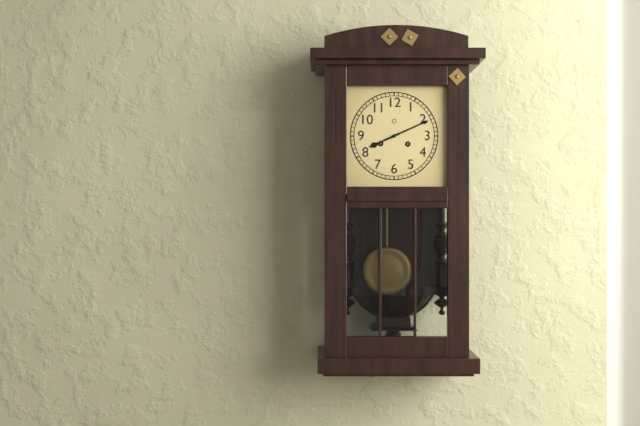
8:11
